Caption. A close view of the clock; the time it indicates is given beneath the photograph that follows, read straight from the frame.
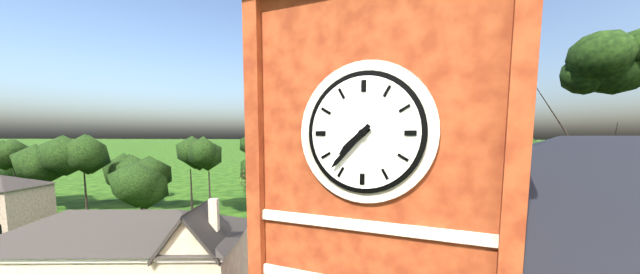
7:37
